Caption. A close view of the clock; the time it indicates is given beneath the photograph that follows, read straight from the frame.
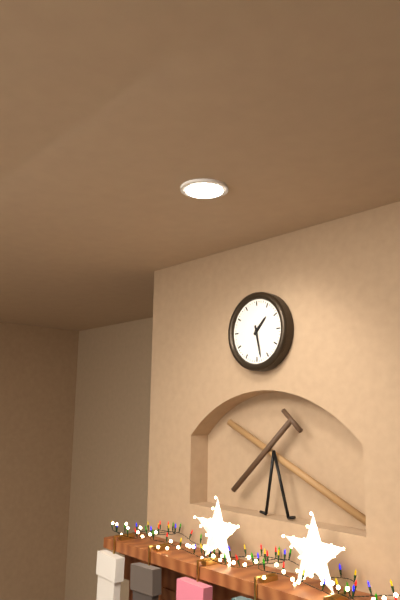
1:28
